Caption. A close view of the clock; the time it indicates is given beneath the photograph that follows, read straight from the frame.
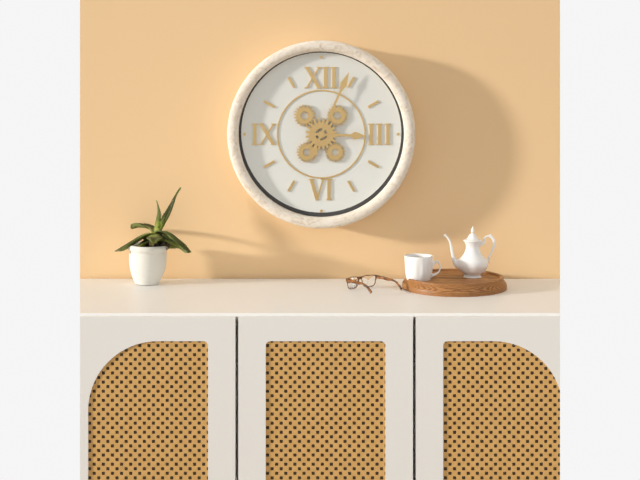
3:04
